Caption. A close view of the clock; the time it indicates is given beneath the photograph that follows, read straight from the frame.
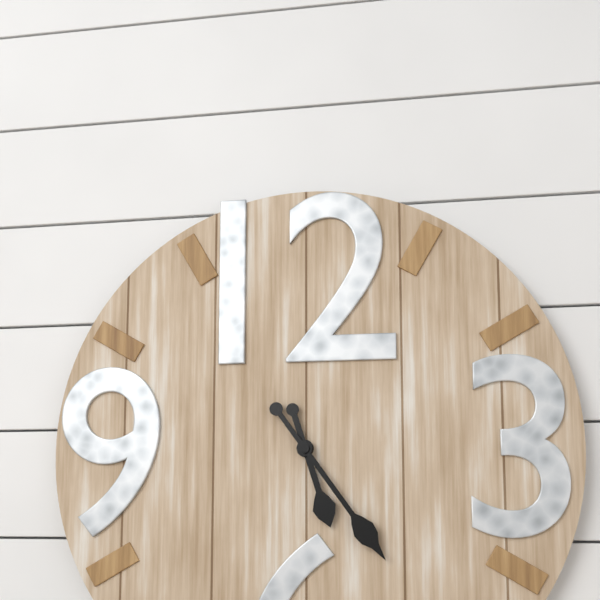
5:24
